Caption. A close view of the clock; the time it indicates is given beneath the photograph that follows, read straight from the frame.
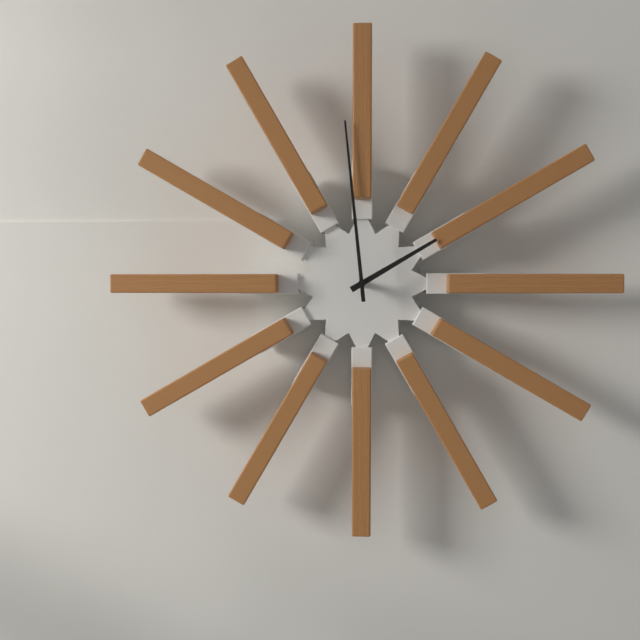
1:59
